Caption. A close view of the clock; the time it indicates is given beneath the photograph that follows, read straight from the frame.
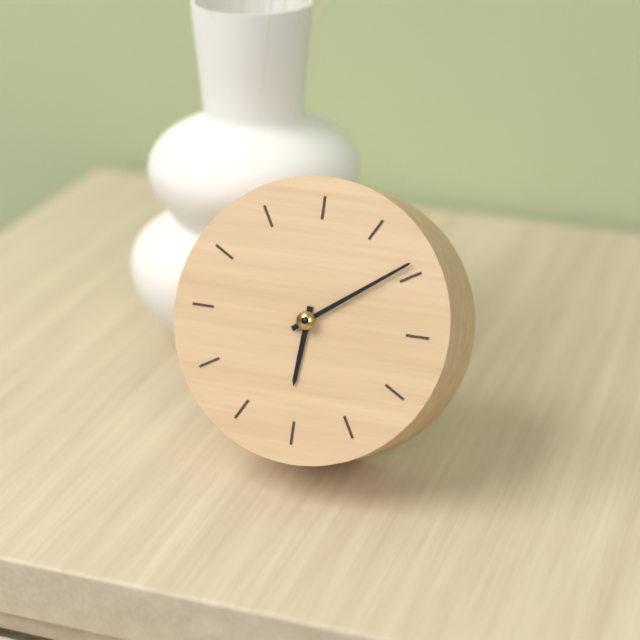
6:09
